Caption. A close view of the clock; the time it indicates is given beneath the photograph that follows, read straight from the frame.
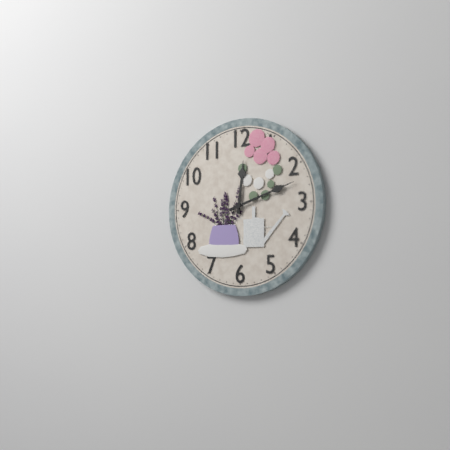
12:12
